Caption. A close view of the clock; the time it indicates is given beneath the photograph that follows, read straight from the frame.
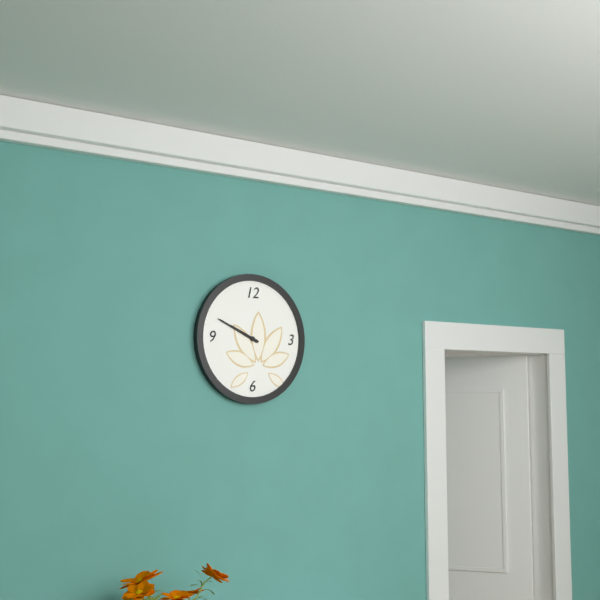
9:49
